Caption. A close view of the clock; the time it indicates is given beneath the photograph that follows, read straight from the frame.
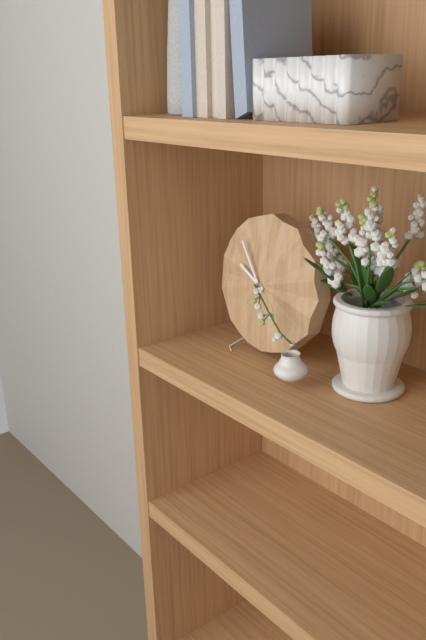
9:54
